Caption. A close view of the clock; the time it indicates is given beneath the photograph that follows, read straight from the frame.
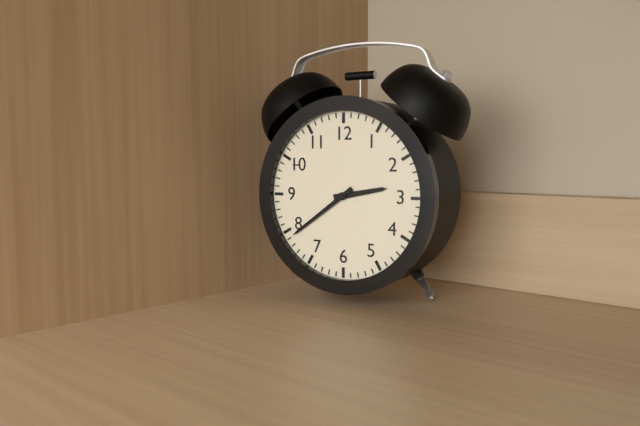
2:39
